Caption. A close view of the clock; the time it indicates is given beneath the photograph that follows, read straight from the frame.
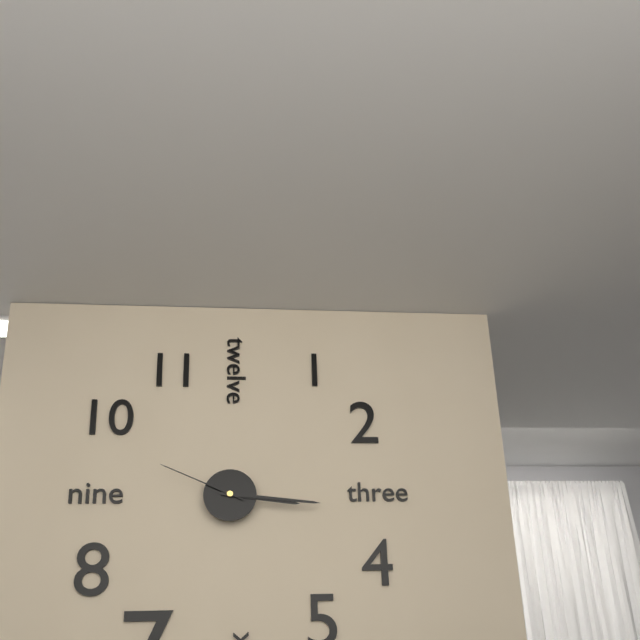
3:16:49
